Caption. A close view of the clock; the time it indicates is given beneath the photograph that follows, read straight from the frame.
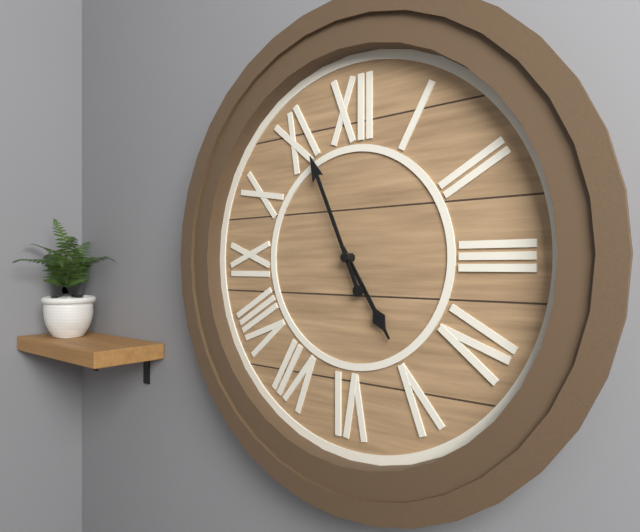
4:56
